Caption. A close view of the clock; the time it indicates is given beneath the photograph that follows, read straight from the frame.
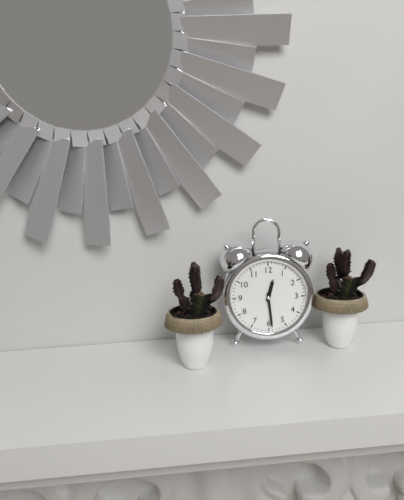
12:29
